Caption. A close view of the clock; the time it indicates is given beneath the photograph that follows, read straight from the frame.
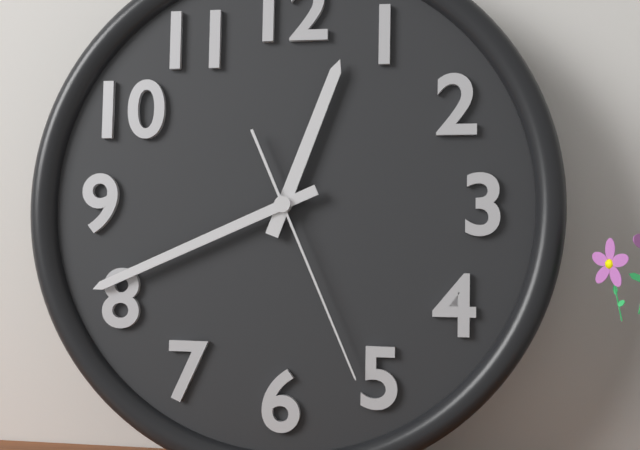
12:41:26
